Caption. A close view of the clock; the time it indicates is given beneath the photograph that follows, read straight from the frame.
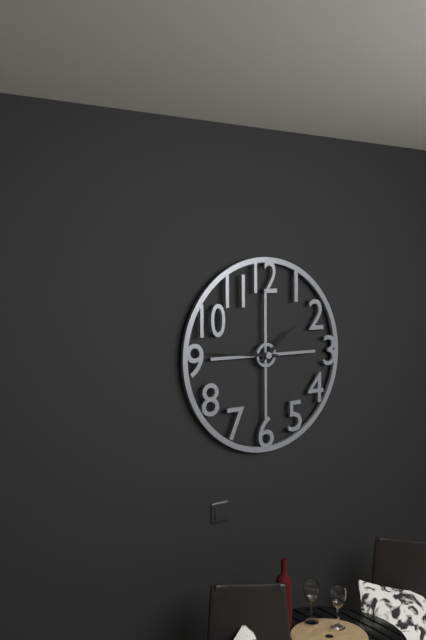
1:46
